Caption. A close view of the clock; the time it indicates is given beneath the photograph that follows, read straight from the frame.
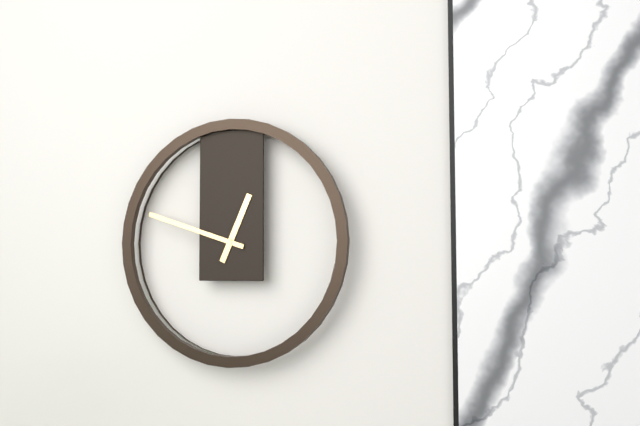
12:48
